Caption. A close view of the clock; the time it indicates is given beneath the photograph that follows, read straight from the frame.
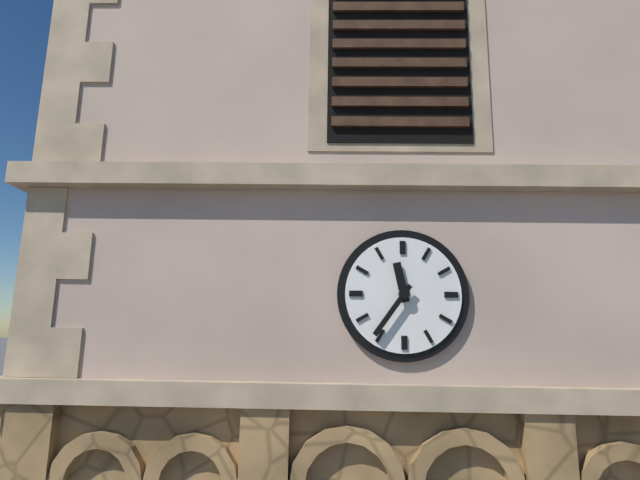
11:36
